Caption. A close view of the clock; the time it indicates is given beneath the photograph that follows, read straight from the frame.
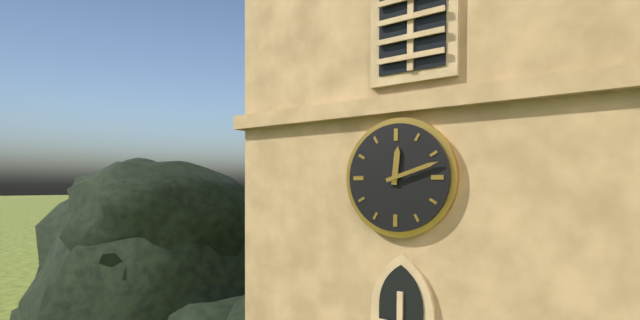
12:12
